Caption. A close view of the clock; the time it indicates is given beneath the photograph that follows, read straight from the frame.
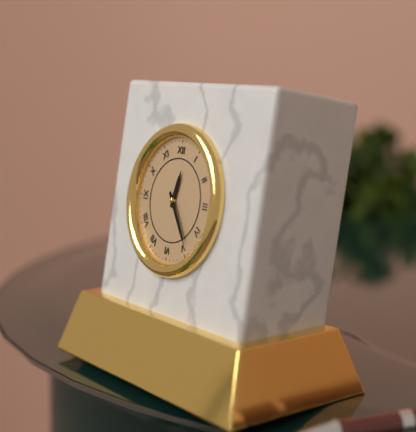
12:24
